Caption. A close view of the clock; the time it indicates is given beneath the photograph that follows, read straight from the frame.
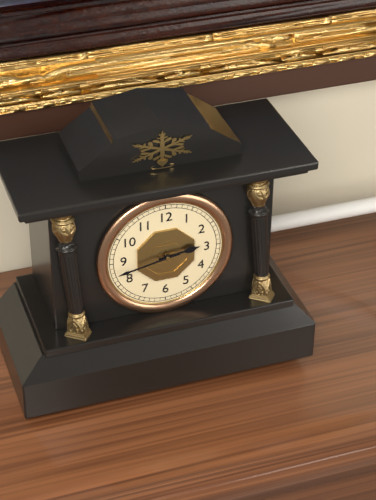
2:43
